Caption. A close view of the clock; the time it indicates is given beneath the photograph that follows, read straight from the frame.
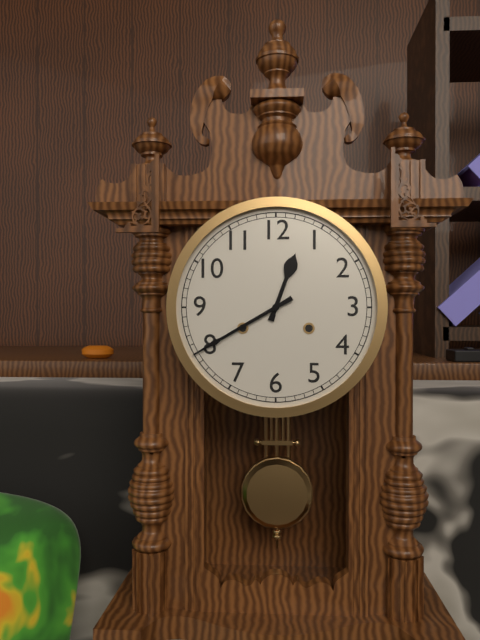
12:40
